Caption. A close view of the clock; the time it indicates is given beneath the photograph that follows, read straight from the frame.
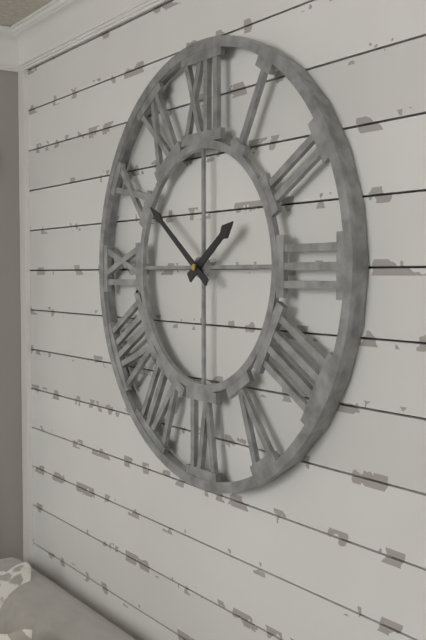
1:51
